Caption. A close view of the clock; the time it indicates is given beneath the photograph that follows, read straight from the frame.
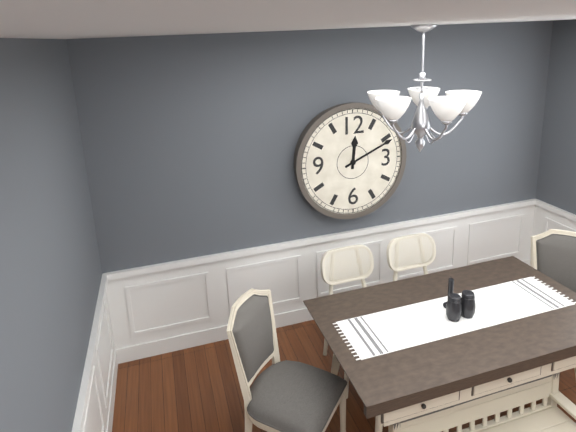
12:11
